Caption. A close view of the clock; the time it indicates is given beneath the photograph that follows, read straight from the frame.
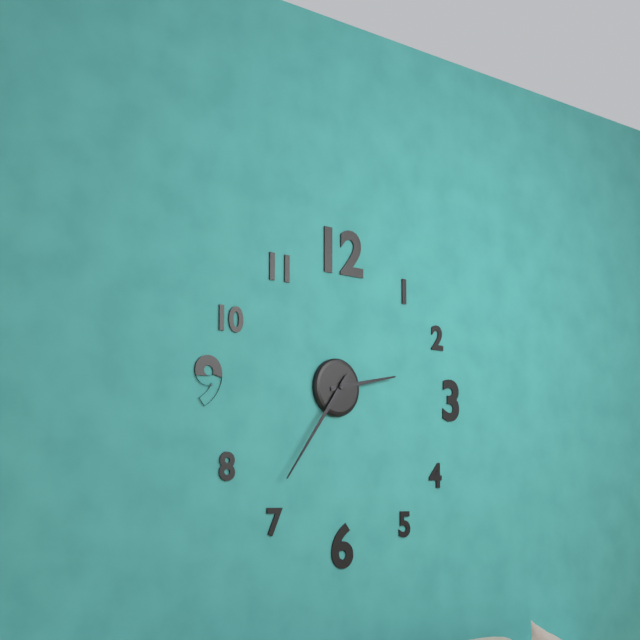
2:36
